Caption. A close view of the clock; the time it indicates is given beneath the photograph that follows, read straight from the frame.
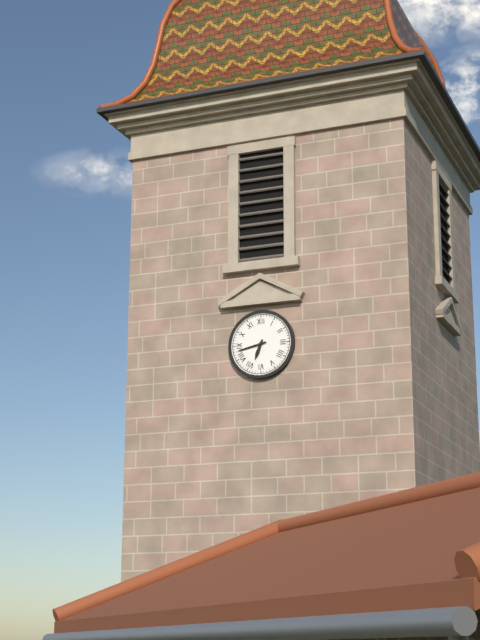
6:43
